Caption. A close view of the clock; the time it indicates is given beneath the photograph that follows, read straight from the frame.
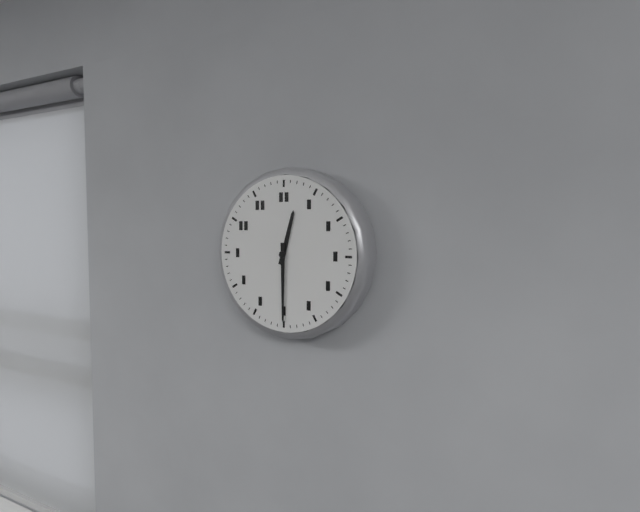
12:30
